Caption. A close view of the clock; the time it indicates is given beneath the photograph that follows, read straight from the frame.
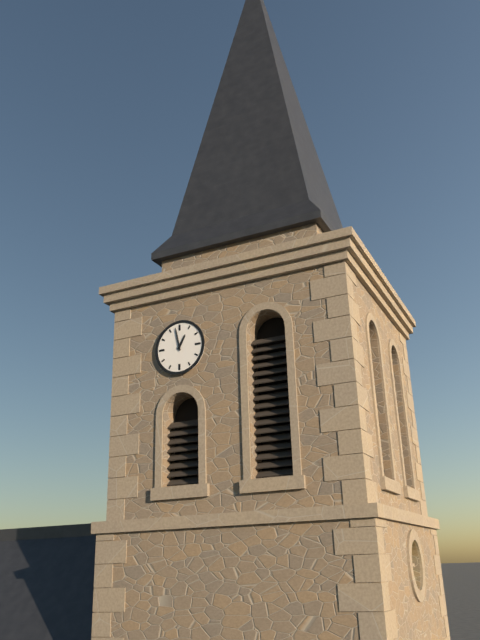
12:58
